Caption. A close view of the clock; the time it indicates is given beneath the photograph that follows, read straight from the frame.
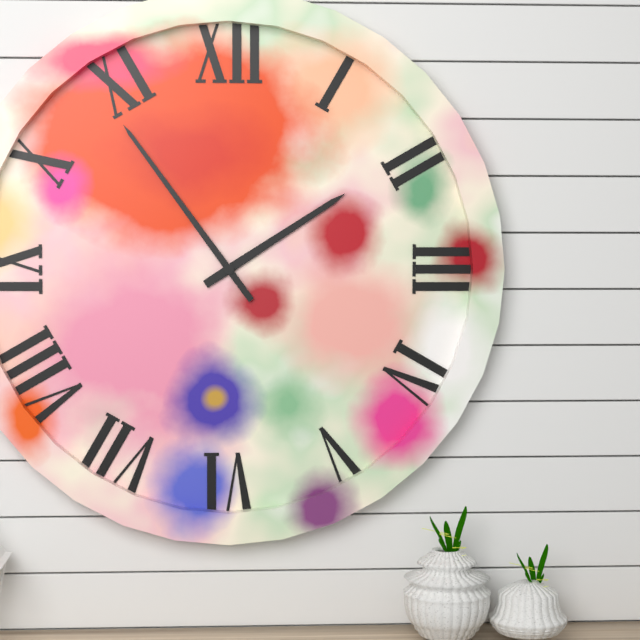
1:54
